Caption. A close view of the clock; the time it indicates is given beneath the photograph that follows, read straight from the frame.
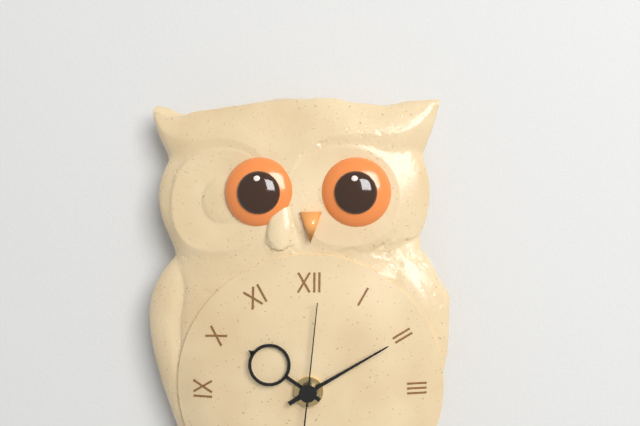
10:10:01
